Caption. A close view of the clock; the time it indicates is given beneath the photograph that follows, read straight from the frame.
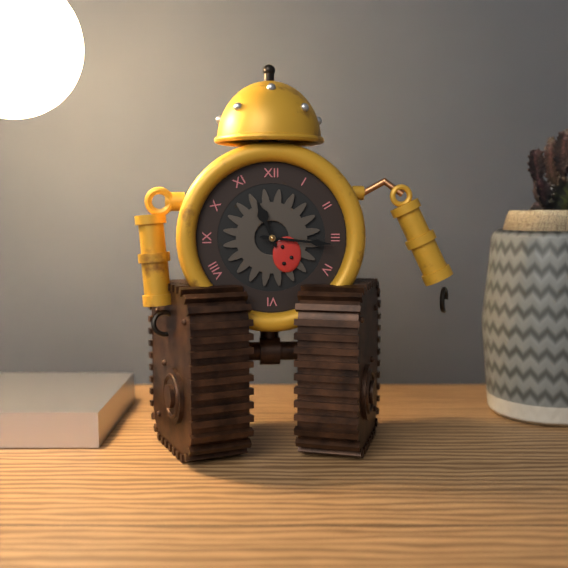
11:16
